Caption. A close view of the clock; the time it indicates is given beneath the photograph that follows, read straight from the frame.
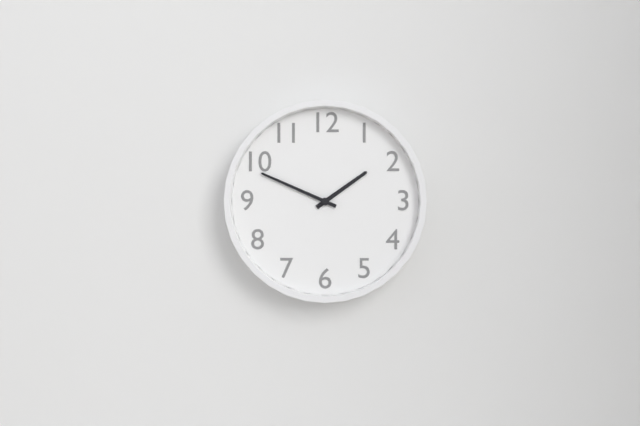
1:49
